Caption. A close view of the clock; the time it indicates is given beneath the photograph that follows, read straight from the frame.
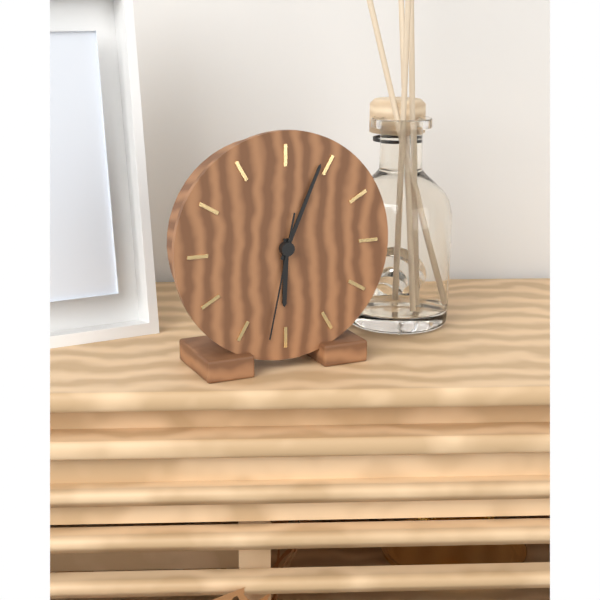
6:04:32
